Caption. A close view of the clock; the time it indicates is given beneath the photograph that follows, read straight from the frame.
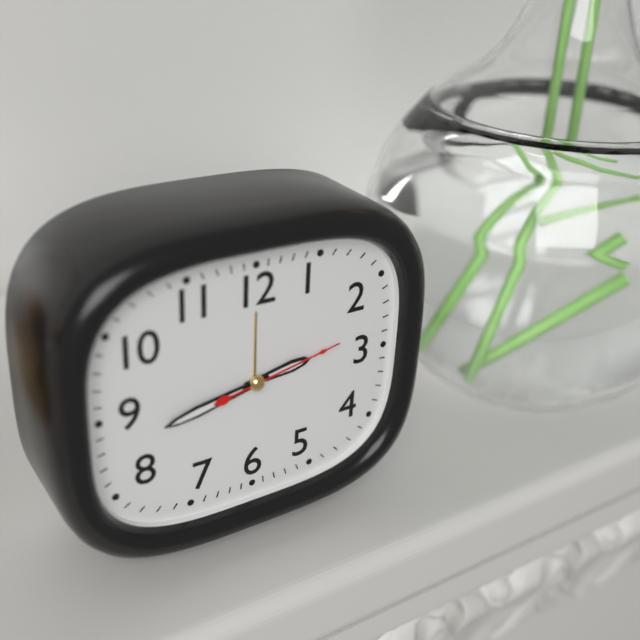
2:43:13
